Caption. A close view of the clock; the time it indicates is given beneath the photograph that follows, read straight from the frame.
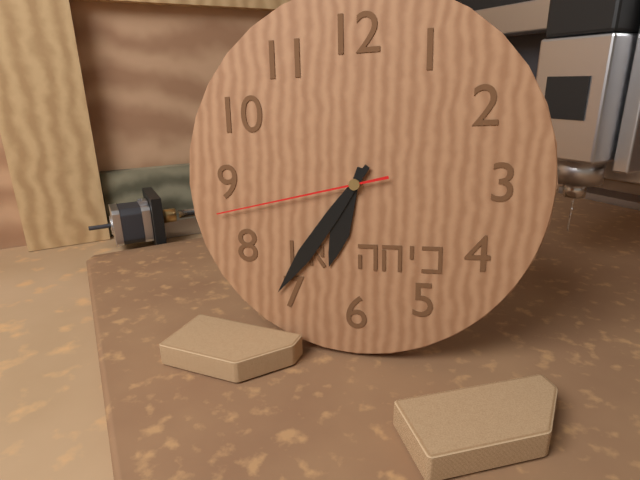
6:36:43
